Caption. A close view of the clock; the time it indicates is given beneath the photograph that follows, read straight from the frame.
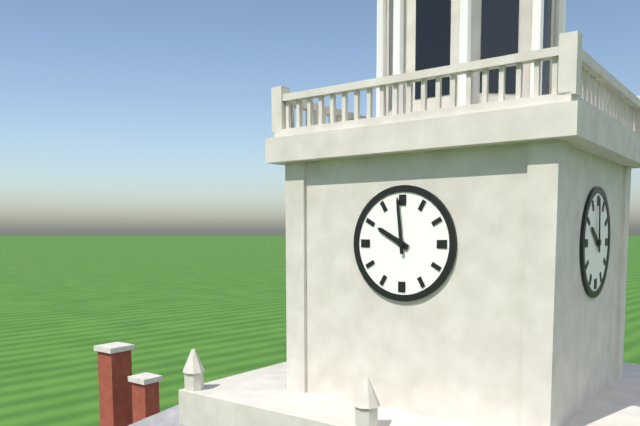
9:59
